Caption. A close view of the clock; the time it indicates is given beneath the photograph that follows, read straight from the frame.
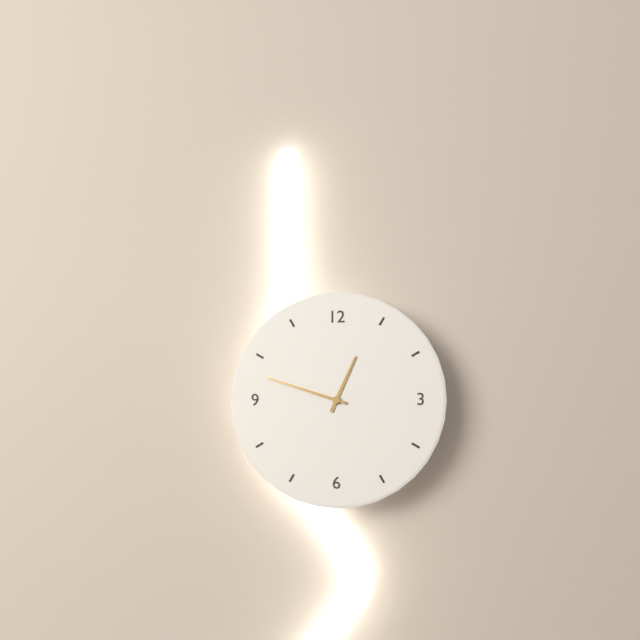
12:48
